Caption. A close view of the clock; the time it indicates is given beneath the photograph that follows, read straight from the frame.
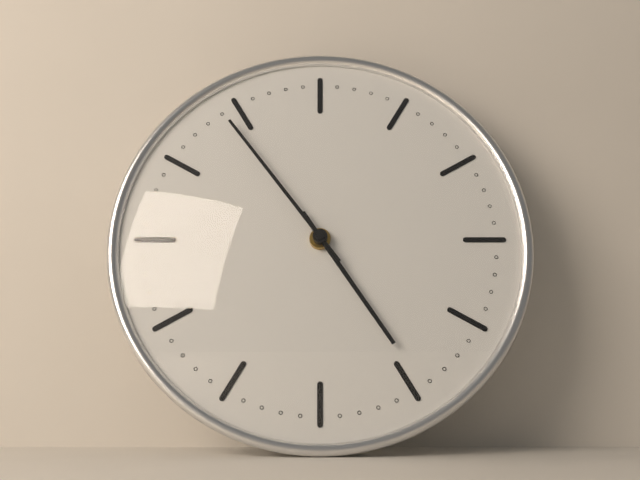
4:54
